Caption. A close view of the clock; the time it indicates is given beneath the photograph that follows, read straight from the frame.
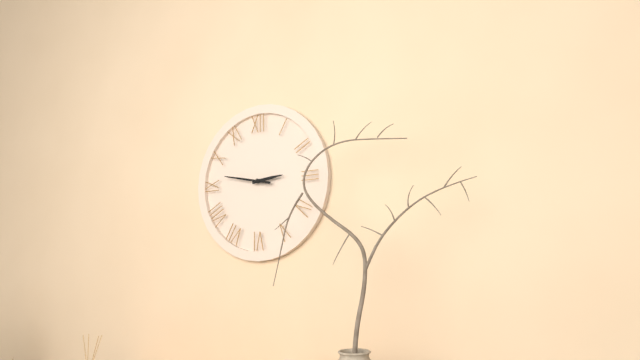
2:47
